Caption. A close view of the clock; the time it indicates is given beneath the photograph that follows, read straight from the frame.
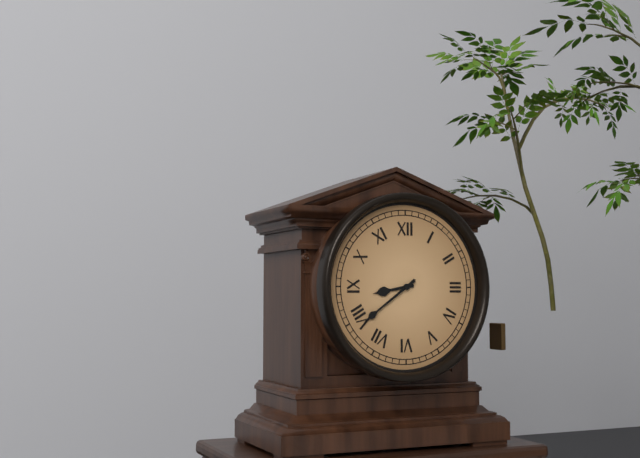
8:39
